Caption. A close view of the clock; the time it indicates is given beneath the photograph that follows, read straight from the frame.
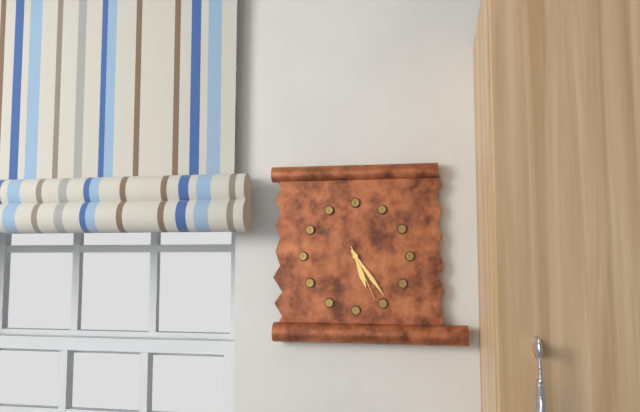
5:24:26
